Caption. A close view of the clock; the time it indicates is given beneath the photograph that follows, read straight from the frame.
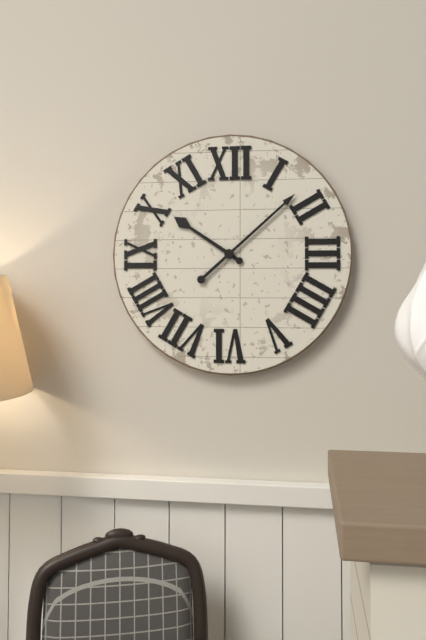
10:08
